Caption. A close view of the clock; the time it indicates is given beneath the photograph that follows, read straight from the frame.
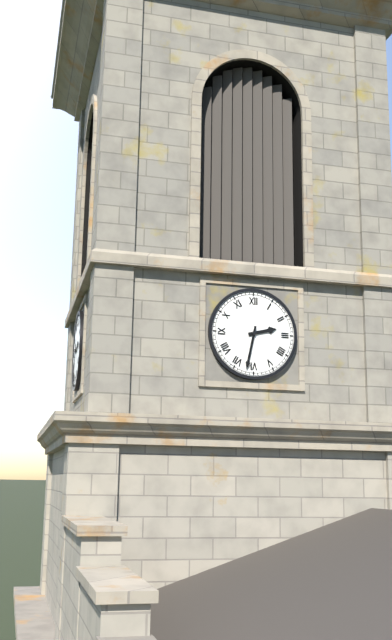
2:32
